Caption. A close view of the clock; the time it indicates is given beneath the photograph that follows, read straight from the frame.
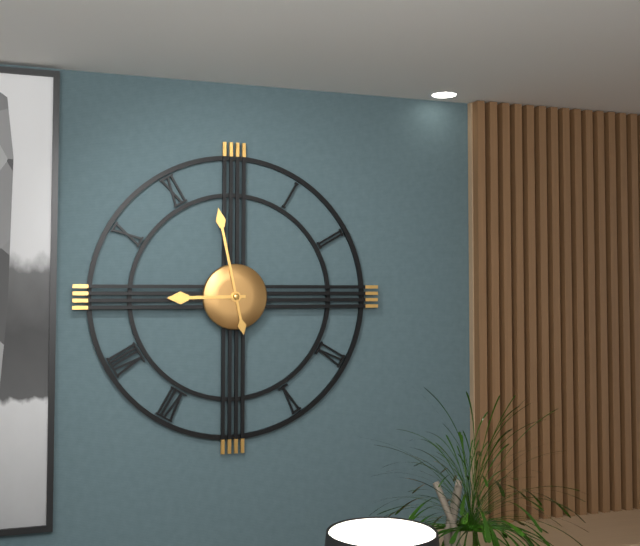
8:58
